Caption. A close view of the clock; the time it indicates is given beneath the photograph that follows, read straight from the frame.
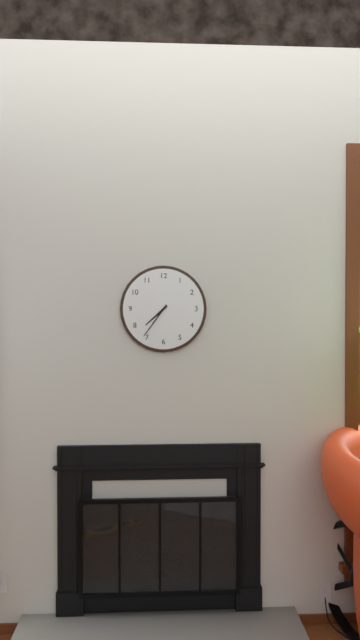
7:36
